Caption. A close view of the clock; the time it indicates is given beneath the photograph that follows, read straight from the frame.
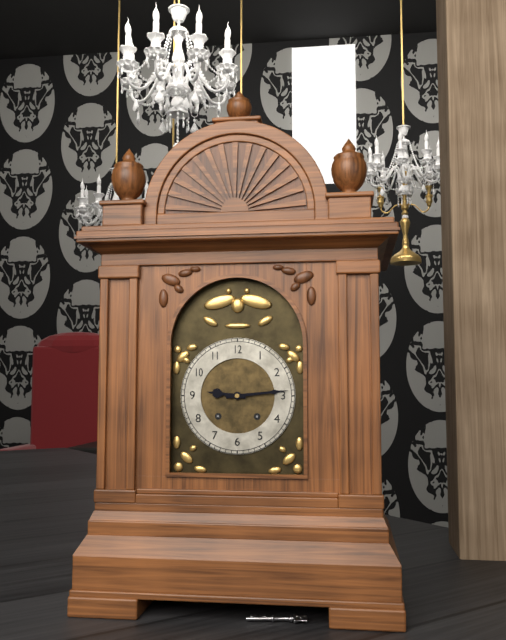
9:14
